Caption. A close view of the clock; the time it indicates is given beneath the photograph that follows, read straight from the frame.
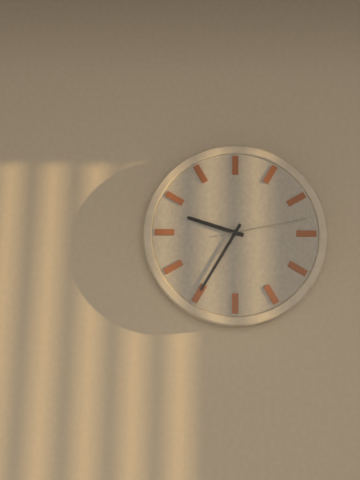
9:35:13
